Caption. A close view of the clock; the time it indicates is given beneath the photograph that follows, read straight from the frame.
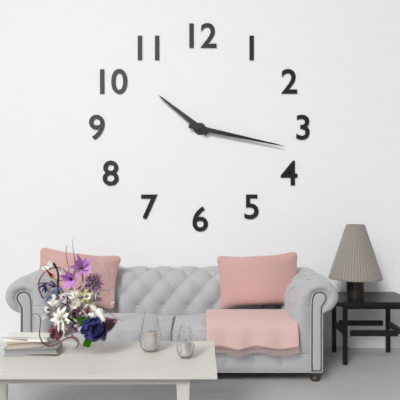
10:17
